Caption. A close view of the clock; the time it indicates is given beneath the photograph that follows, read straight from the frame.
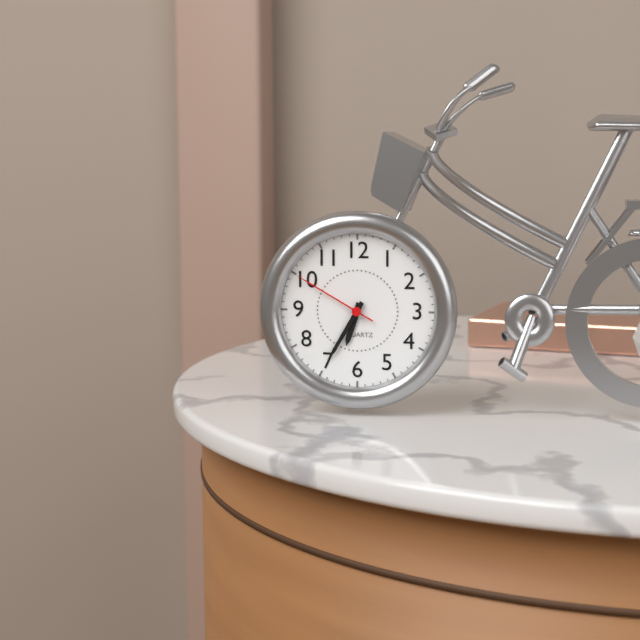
6:35:50
